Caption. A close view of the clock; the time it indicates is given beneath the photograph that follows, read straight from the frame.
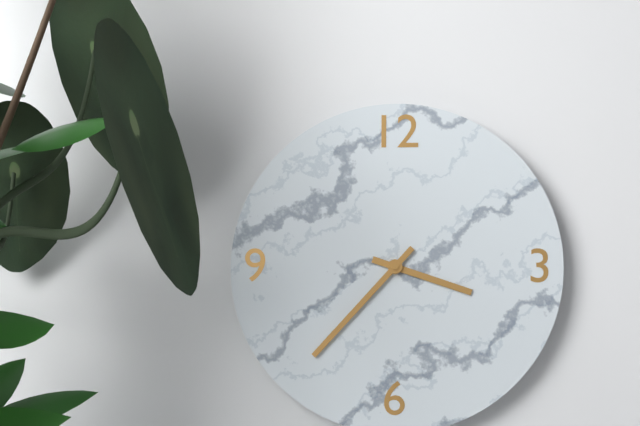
3:37
